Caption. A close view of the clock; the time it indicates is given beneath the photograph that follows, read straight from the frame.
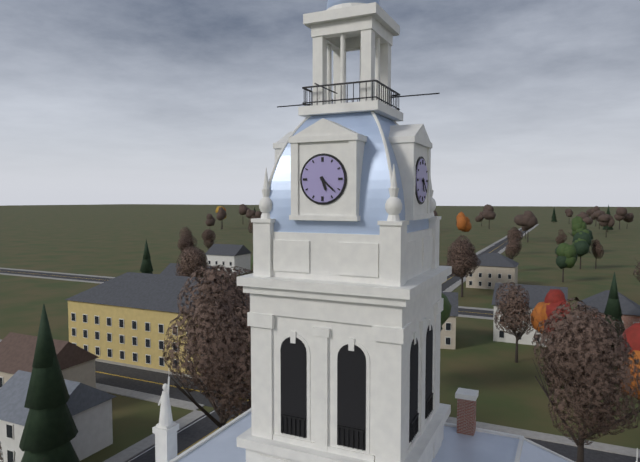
5:22
